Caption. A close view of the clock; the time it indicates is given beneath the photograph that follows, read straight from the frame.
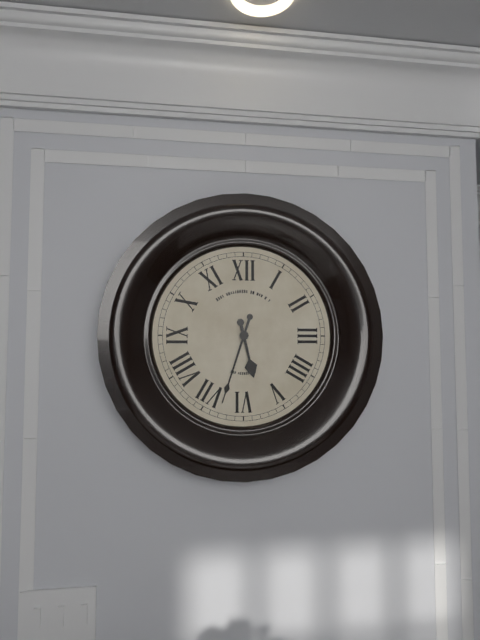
5:33
